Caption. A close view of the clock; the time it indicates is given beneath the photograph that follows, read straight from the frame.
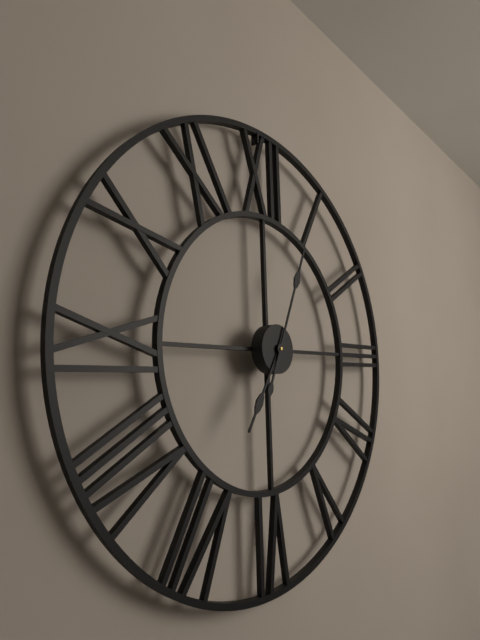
7:04
